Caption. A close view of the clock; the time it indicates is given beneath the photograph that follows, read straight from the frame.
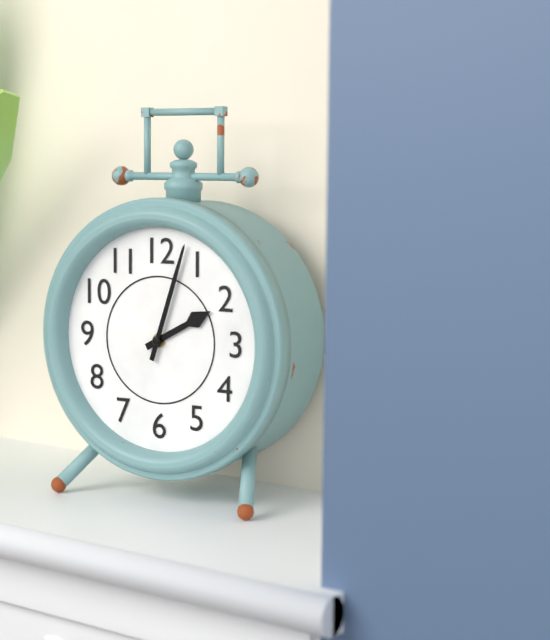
2:03
